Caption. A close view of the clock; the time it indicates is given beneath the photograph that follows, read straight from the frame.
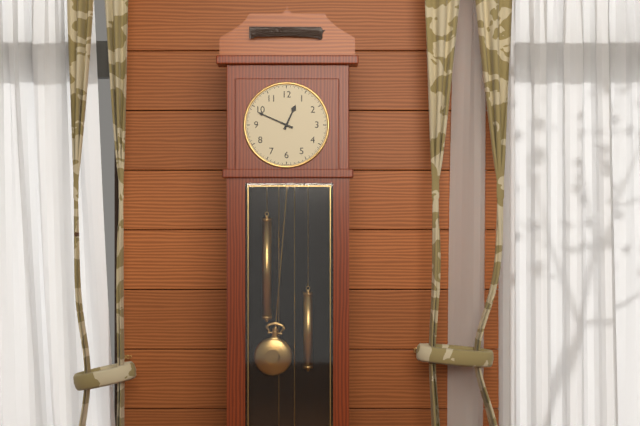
12:49
